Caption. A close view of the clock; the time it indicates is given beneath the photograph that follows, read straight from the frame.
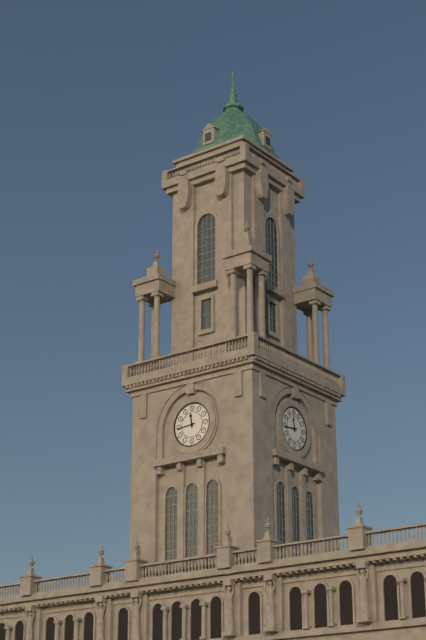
11:44
